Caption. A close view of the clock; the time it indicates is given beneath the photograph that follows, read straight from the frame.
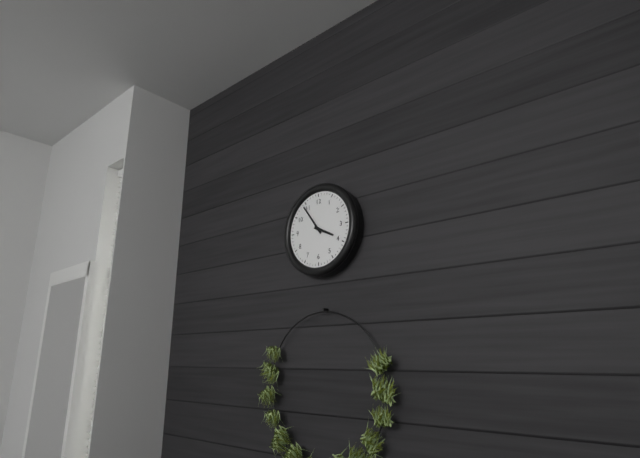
3:54
